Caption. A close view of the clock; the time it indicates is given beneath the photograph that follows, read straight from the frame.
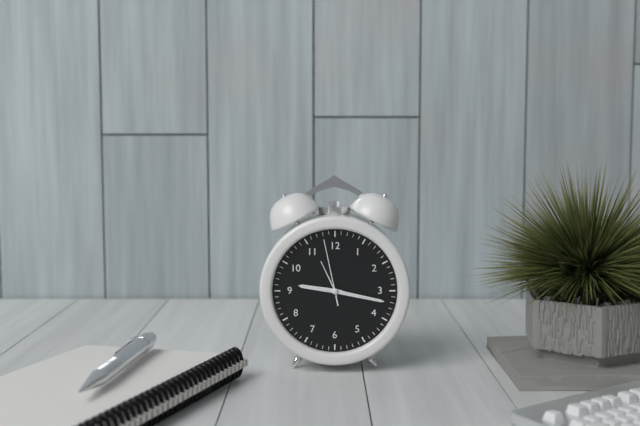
9:17:58
